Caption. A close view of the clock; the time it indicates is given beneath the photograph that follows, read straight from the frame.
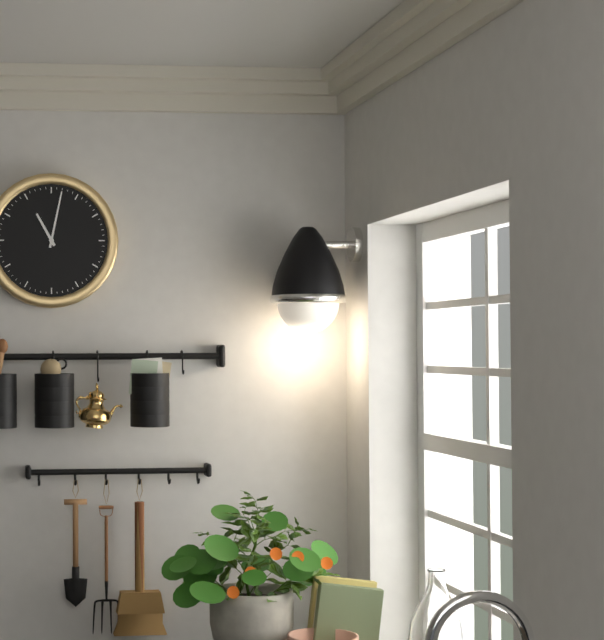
11:02
